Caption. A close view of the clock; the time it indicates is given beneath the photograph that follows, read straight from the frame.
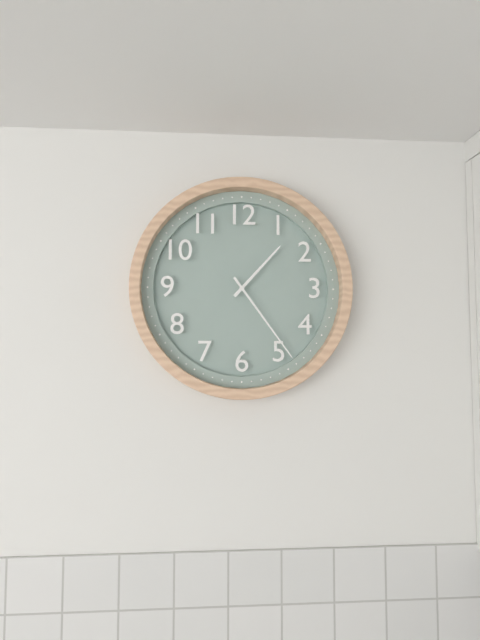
1:24
